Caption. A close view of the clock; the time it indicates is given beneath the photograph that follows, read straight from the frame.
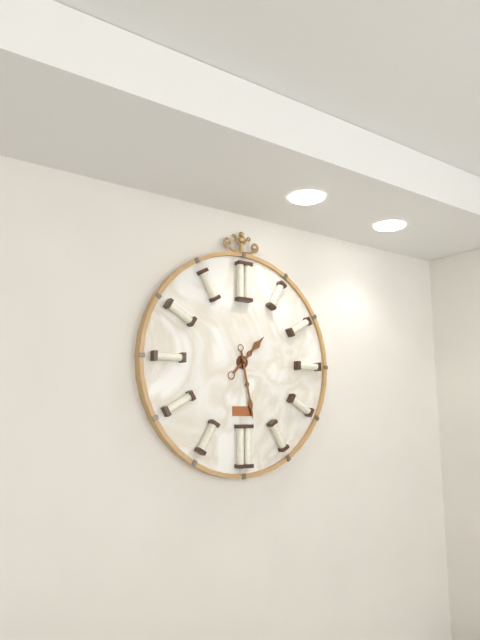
1:28
